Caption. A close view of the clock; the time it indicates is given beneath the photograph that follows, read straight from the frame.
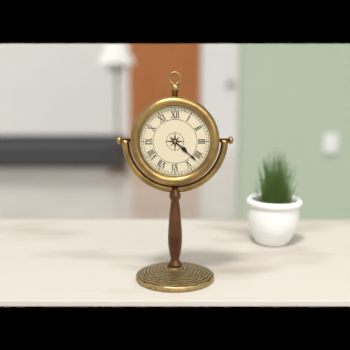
4:22
